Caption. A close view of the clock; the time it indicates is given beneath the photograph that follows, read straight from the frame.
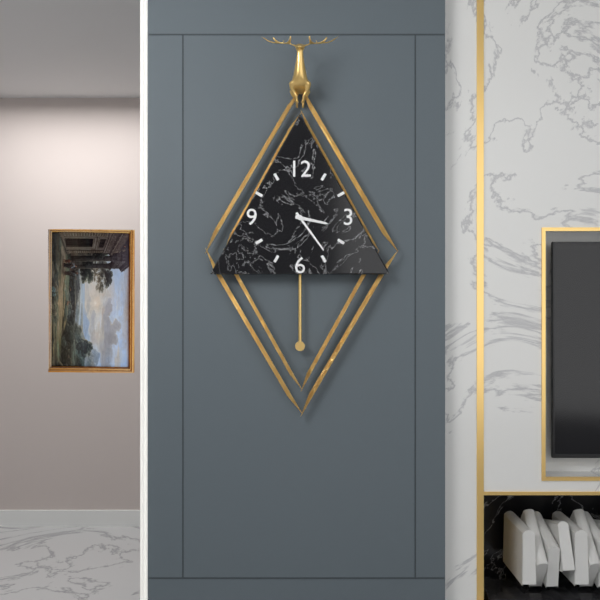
3:24
